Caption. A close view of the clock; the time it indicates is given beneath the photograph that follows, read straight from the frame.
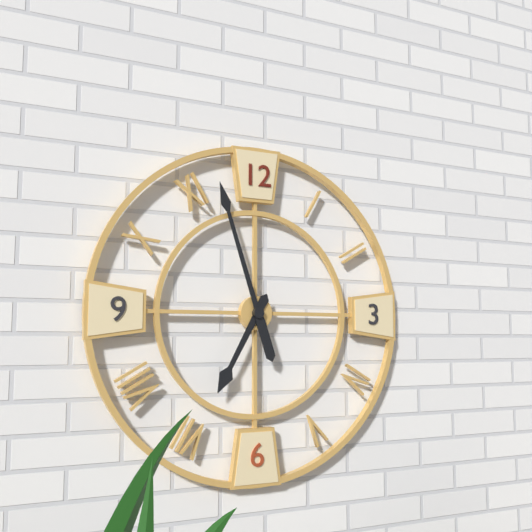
6:57
